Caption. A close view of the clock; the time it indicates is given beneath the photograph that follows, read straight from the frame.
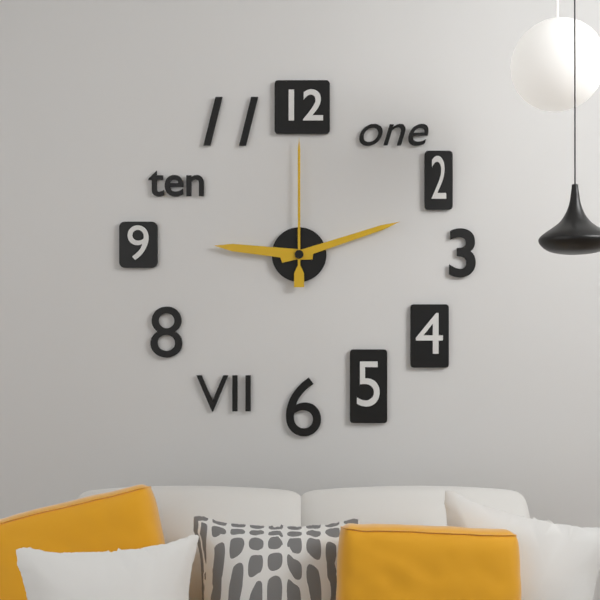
9:12:00
